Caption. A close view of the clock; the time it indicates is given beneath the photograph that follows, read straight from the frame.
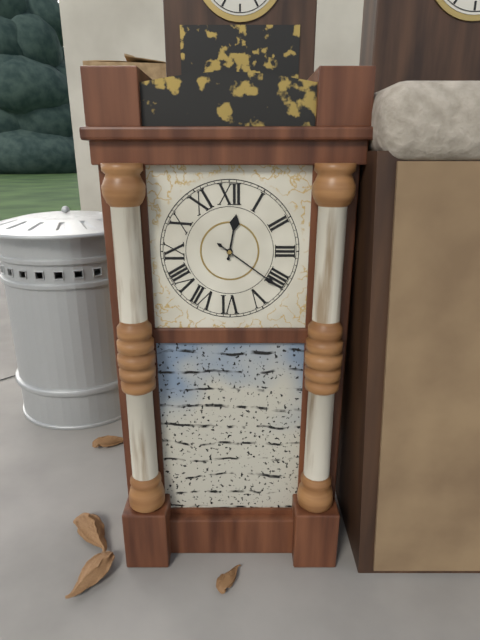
12:21
